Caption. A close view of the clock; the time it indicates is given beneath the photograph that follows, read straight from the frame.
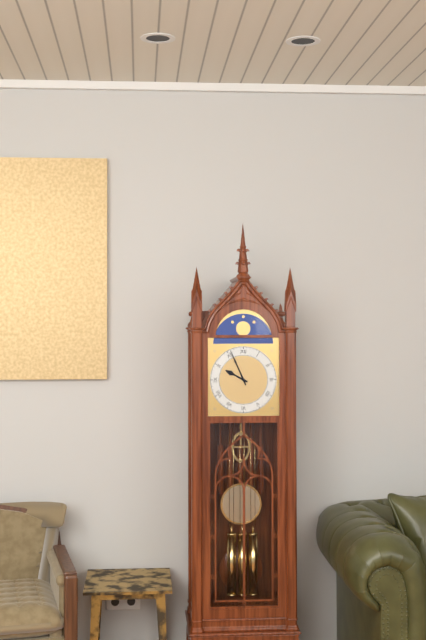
9:56
